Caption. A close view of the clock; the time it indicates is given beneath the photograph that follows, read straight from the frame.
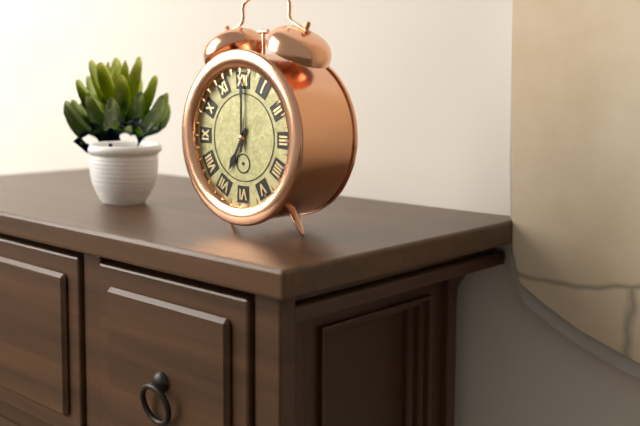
7:00
